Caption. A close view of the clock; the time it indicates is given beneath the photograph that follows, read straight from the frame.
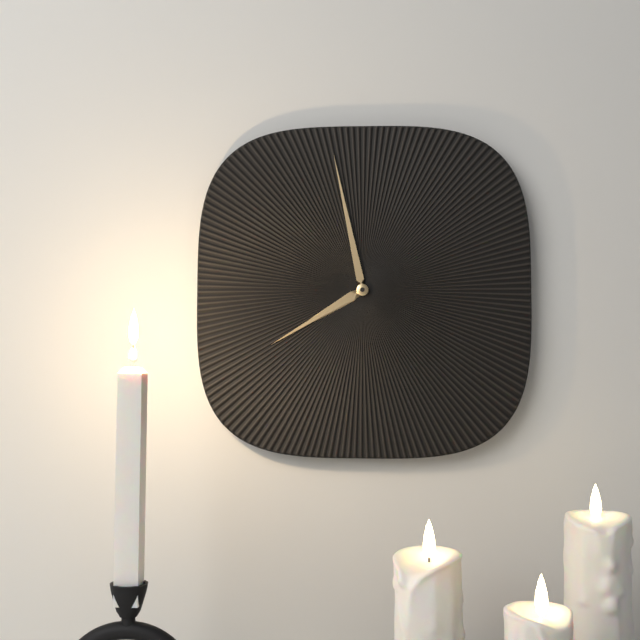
7:58
